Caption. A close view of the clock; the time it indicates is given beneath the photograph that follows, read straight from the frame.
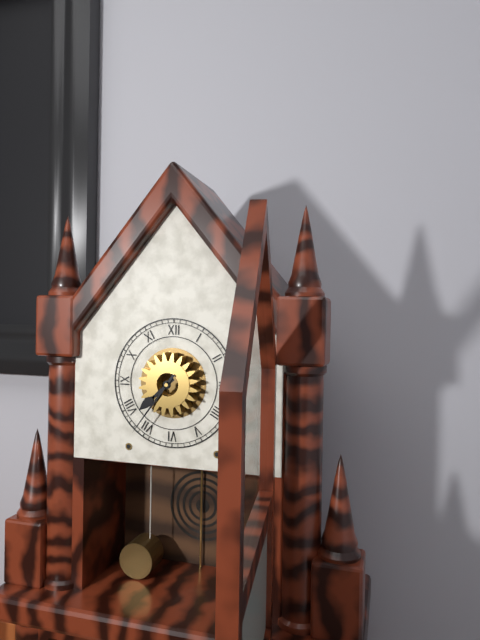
7:36
